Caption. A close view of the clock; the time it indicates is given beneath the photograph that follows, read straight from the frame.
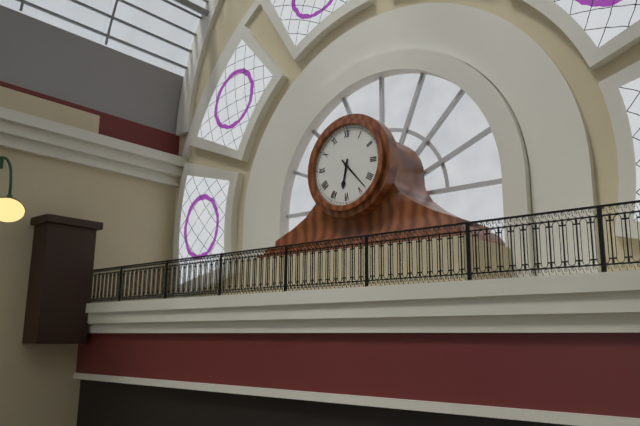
6:23
